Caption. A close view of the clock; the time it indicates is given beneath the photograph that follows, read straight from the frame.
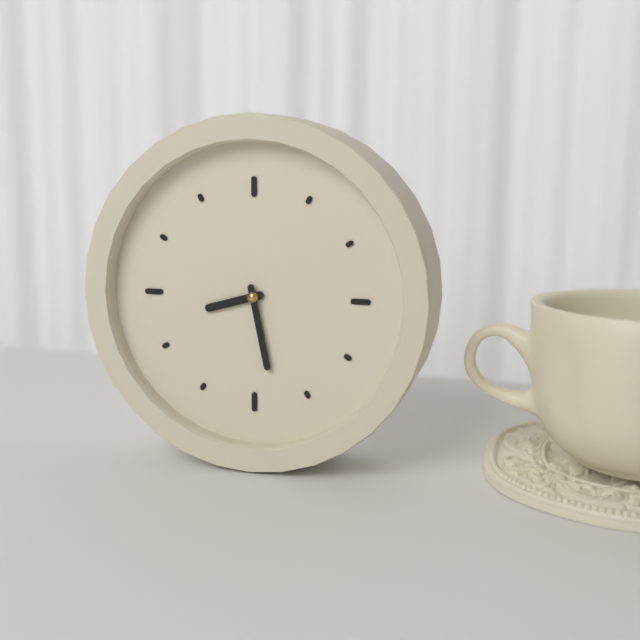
8:28
